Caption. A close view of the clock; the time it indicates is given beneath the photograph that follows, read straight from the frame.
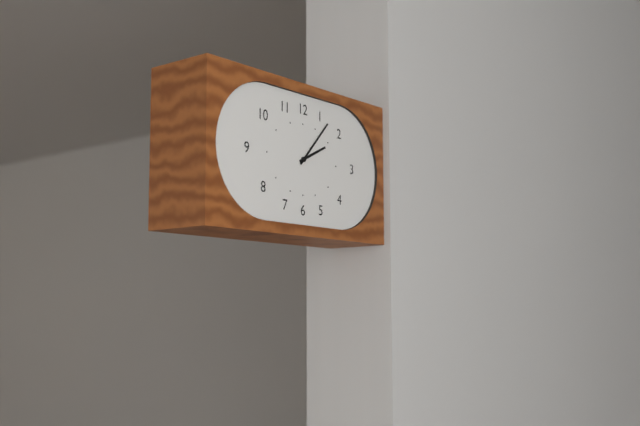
2:07
